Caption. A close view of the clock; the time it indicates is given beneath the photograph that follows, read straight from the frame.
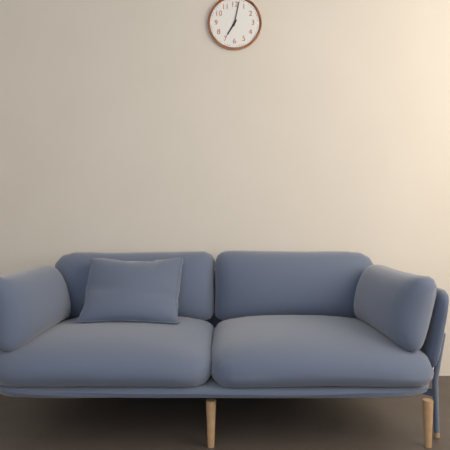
7:02
